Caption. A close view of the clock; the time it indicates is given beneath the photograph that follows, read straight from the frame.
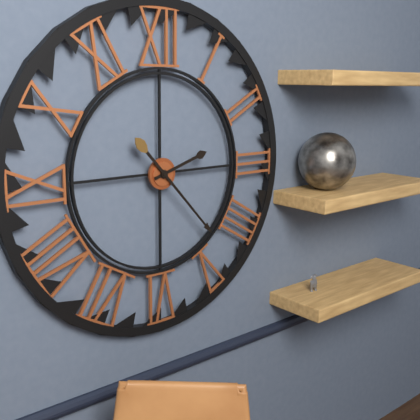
2:23
